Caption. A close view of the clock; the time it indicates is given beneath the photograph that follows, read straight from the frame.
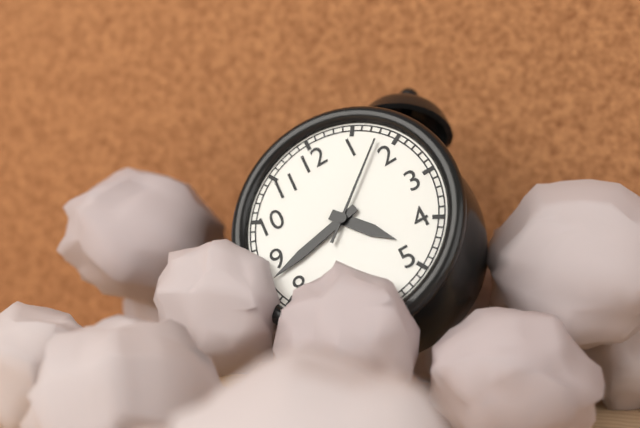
4:43:08
